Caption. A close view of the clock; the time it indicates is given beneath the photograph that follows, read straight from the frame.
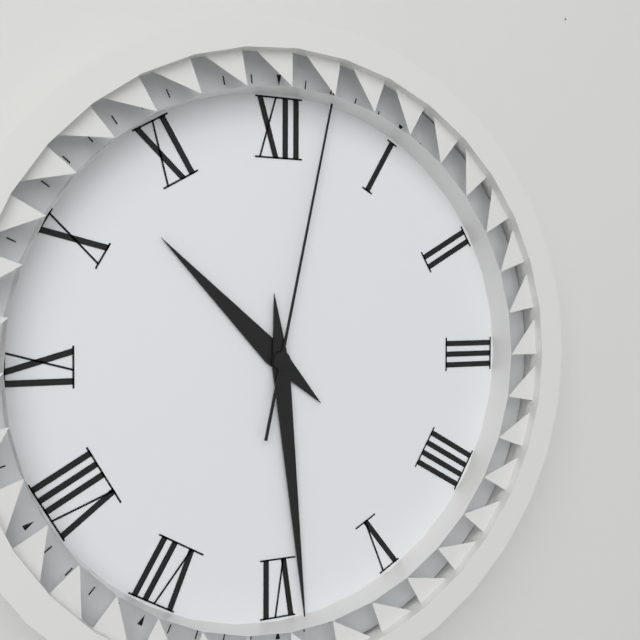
10:29:02
